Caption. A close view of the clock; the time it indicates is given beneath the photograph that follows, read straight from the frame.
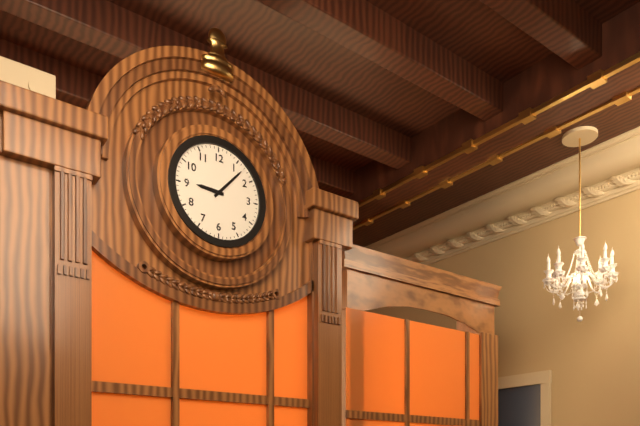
9:07
